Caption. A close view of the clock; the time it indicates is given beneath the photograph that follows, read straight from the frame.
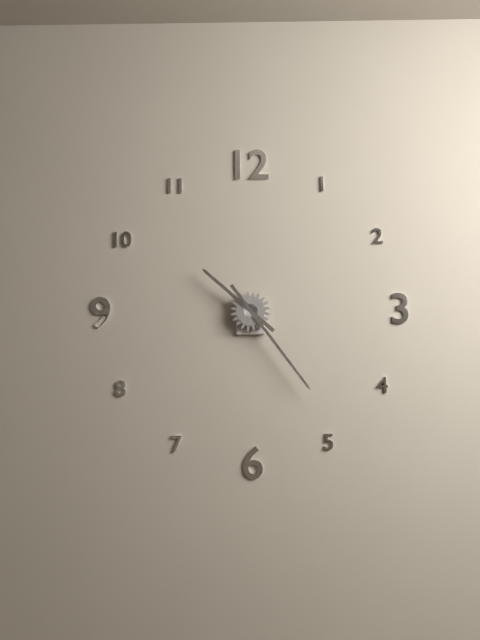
10:24
